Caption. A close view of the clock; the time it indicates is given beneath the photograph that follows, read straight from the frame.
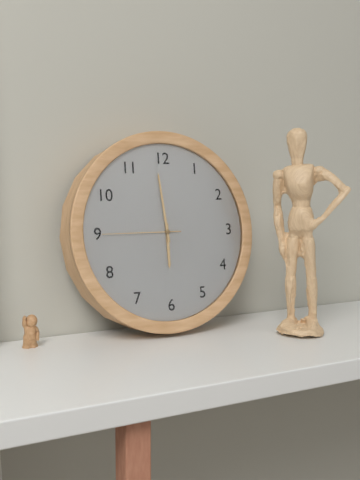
5:59:45
